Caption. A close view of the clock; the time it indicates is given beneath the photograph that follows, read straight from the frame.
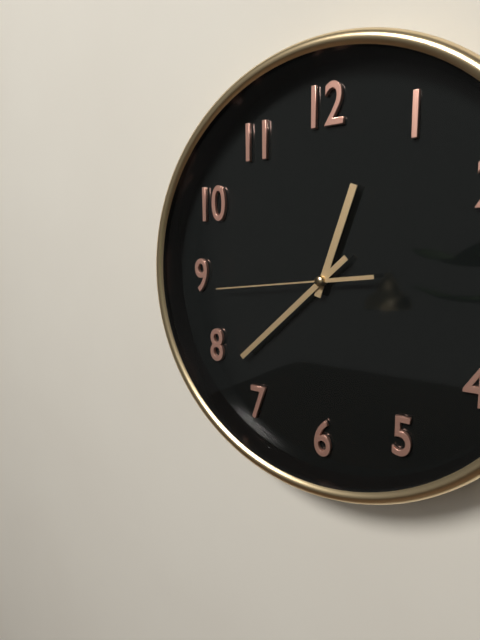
12:38:44
